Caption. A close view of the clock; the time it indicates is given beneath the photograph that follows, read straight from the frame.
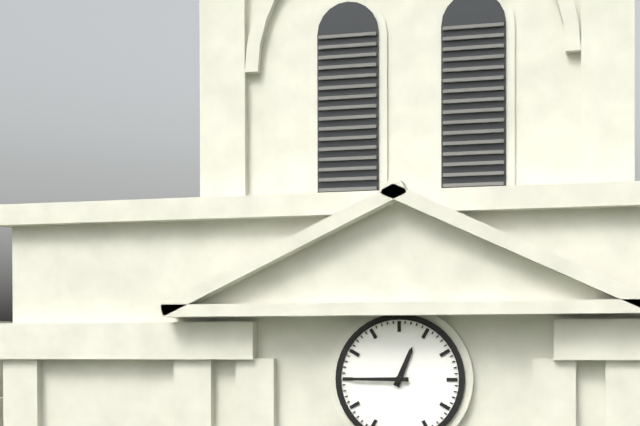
12:45
